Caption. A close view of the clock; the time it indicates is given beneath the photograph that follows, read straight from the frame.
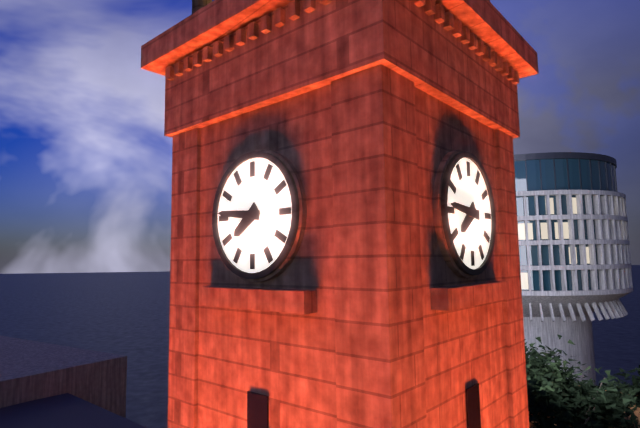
7:46
